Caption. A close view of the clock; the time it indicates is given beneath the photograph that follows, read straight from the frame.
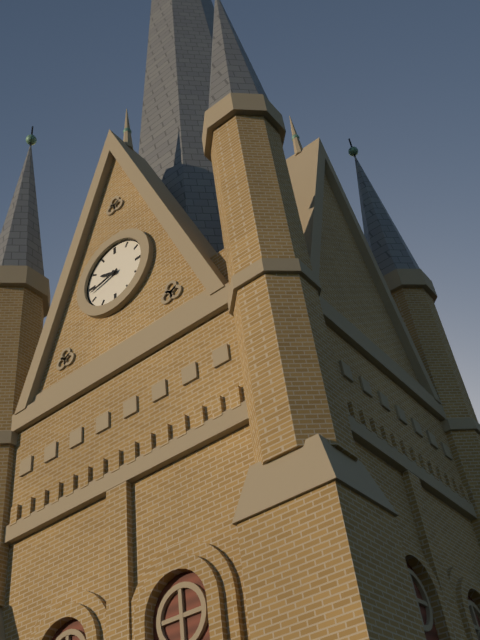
9:43
